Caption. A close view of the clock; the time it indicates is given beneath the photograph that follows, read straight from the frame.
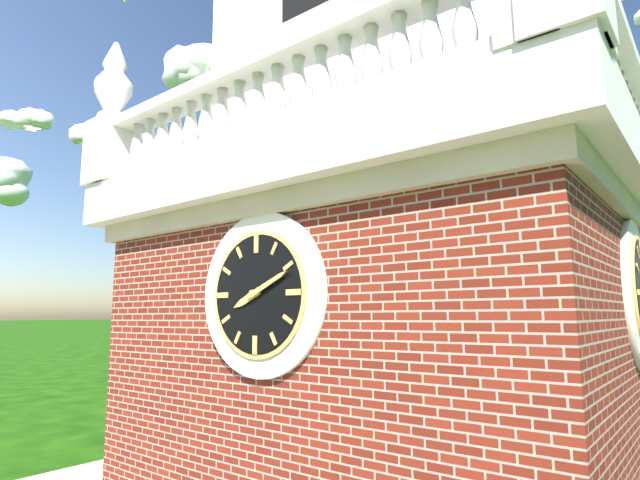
8:11
